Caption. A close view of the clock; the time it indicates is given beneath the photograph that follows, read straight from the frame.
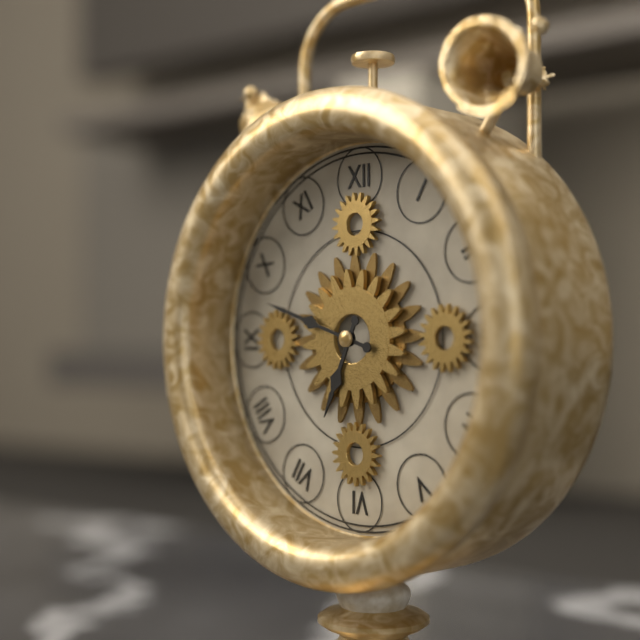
6:48
